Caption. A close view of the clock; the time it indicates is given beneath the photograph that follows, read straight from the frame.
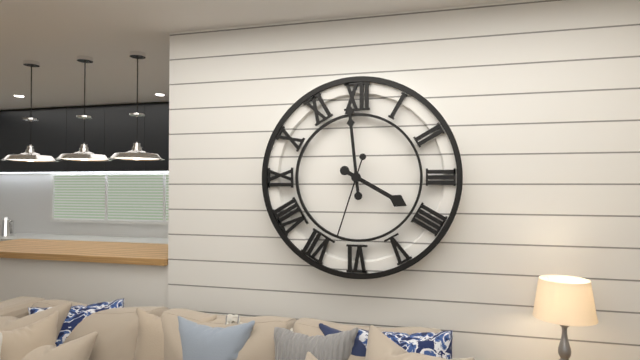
3:59:33
